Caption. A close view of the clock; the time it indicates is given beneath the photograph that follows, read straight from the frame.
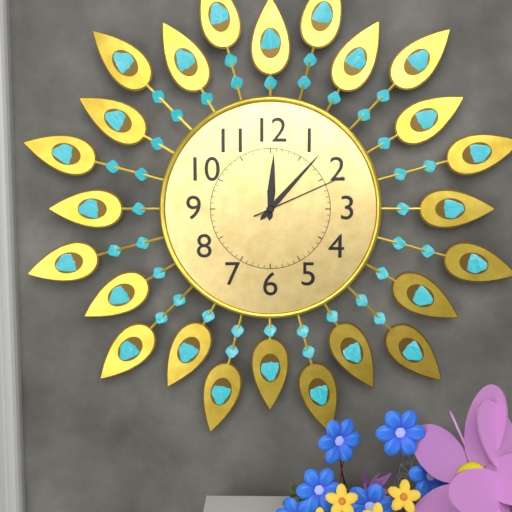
12:07:11
